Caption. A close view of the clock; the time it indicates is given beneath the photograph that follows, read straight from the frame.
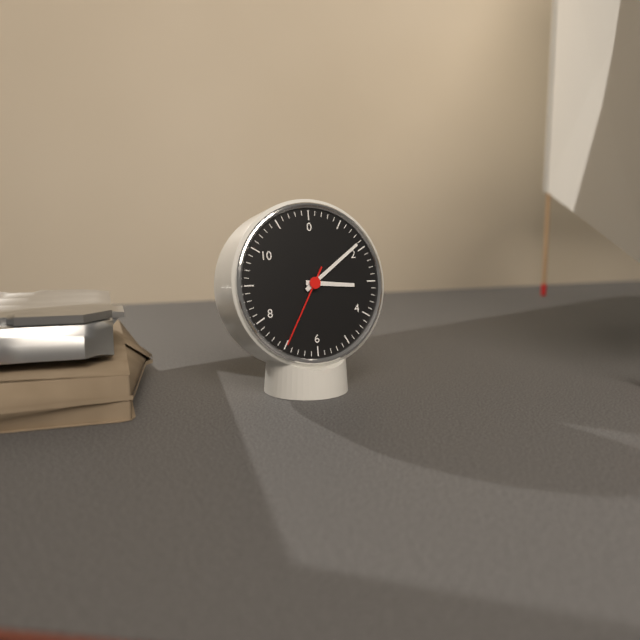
3:09:35
